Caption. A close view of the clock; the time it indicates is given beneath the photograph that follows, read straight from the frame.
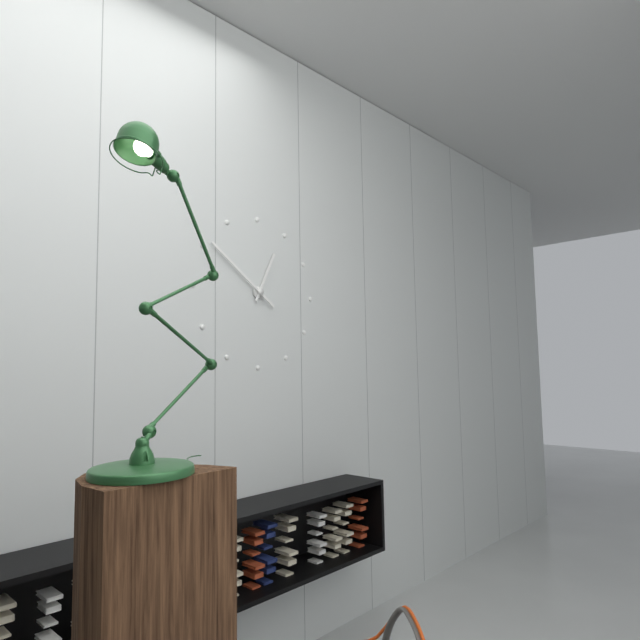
12:51
